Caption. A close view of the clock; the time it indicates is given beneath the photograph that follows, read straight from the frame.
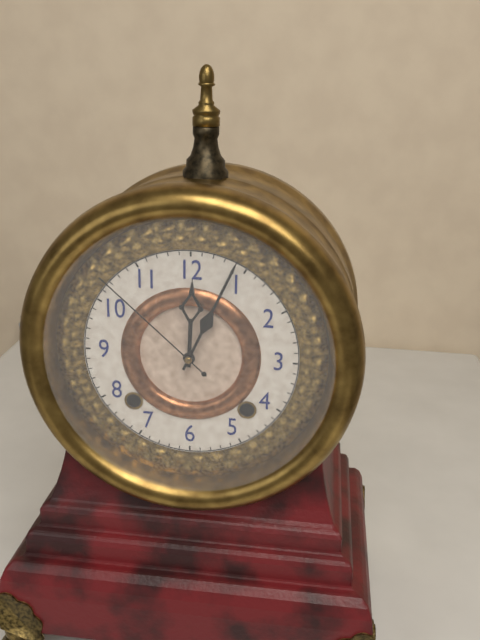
12:04:52
